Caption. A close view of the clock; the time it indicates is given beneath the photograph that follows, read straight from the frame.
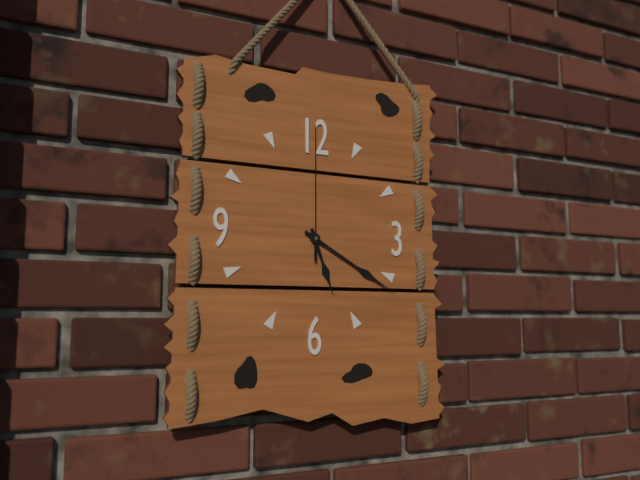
5:20:00
